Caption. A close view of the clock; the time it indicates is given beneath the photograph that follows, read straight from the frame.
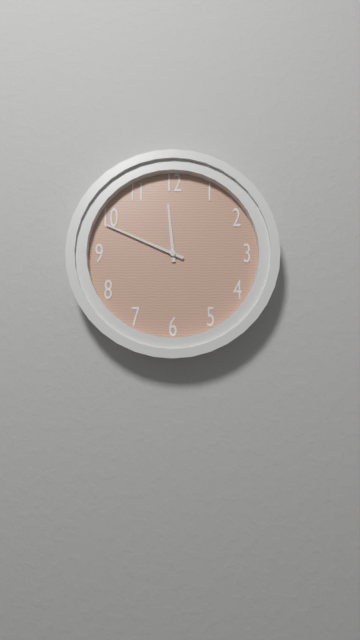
11:49
